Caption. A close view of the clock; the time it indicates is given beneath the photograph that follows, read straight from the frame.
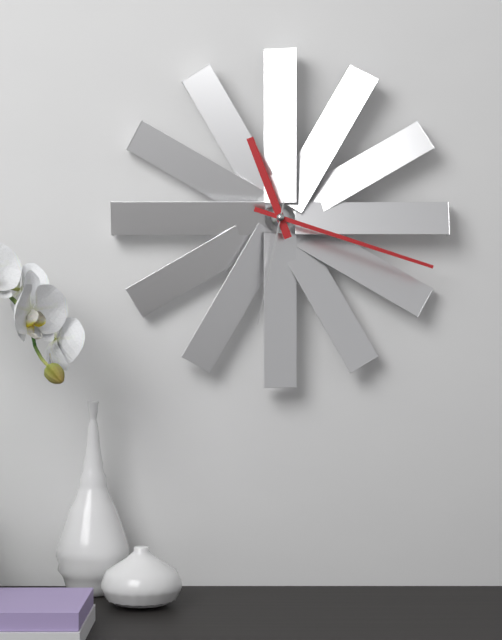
11:18:32
